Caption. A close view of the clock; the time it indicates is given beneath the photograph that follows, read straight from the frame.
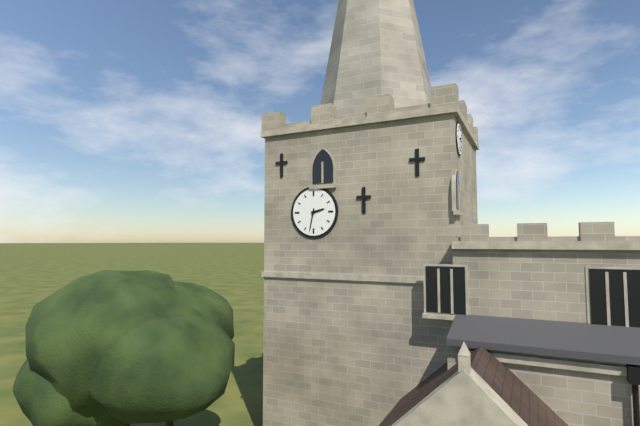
2:32
